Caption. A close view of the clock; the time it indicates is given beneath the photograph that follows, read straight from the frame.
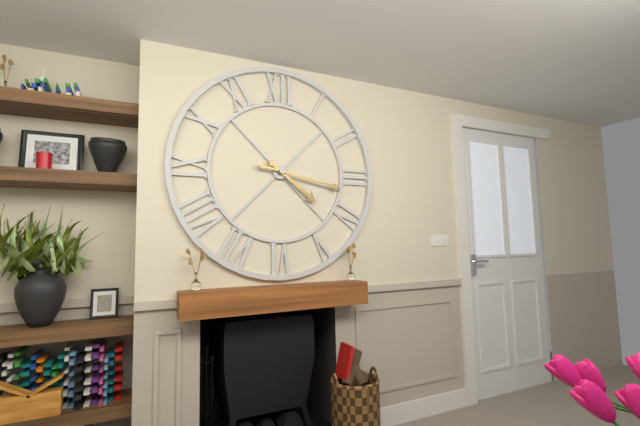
4:17
